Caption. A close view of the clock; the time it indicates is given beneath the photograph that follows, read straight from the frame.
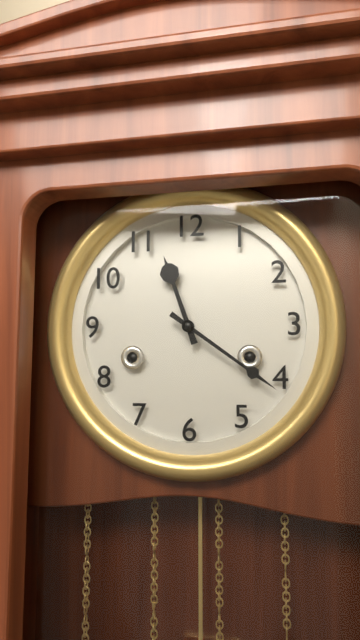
11:21
